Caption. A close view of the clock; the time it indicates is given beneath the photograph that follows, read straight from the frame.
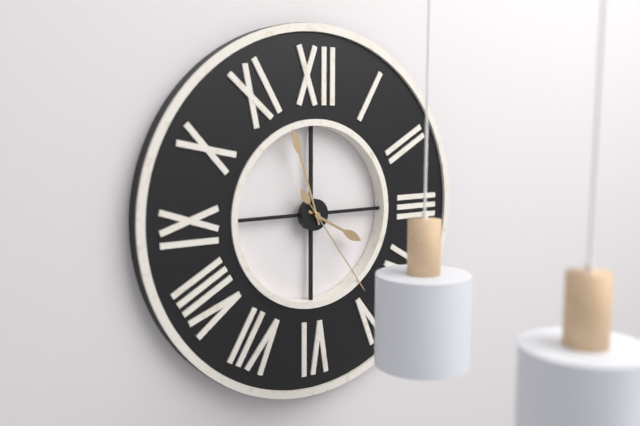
3:57:24
